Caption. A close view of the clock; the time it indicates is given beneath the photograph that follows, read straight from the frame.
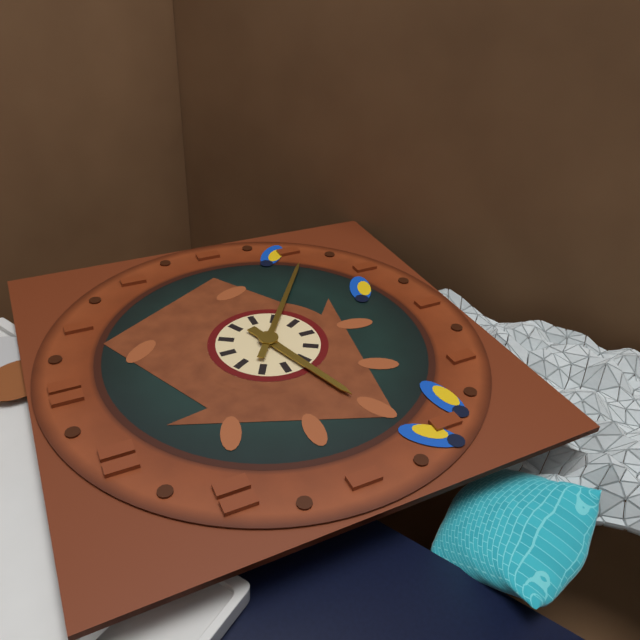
8:21
